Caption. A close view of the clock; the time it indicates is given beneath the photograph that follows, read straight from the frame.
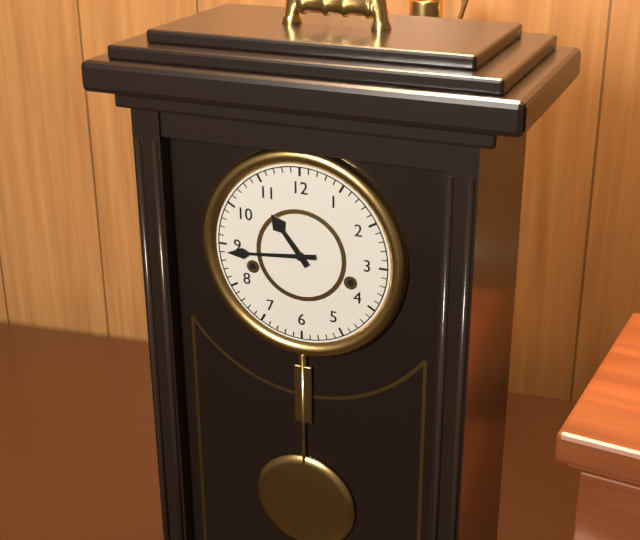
10:44
